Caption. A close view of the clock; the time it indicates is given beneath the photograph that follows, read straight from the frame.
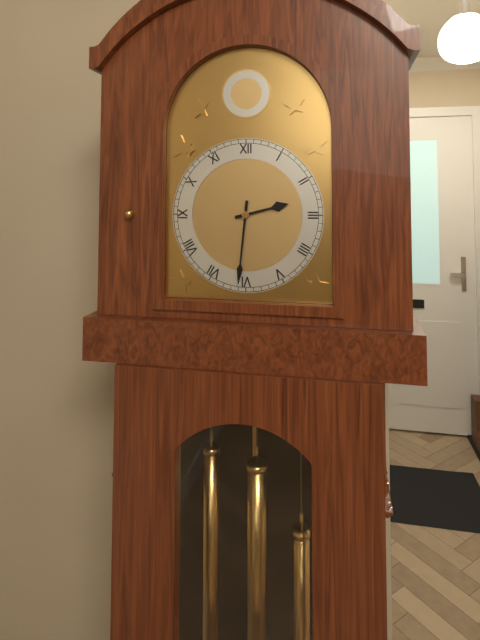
2:31
